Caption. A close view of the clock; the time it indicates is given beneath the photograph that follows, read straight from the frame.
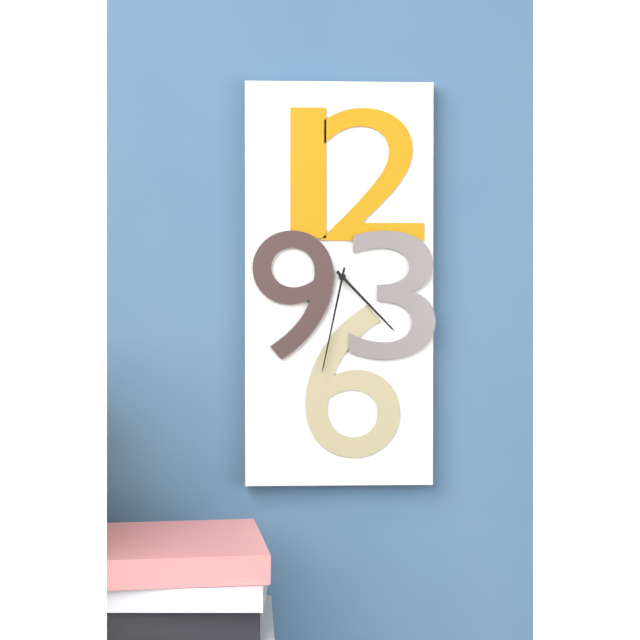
4:32
